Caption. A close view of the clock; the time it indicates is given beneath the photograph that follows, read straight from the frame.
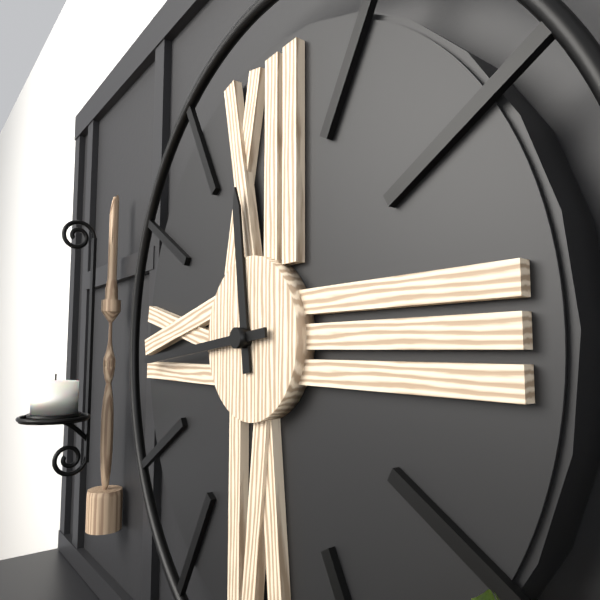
11:44
